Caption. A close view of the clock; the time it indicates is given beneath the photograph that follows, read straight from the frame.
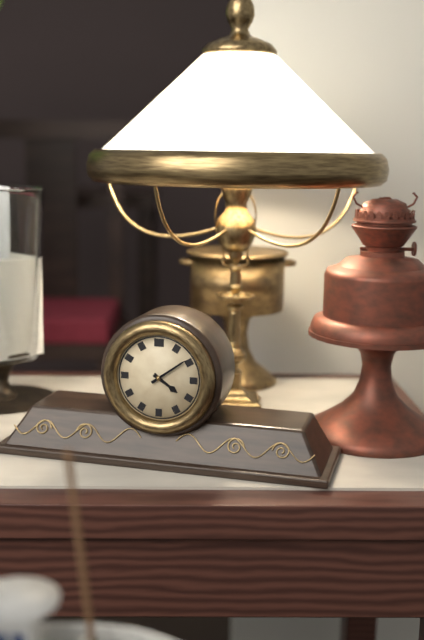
4:09
